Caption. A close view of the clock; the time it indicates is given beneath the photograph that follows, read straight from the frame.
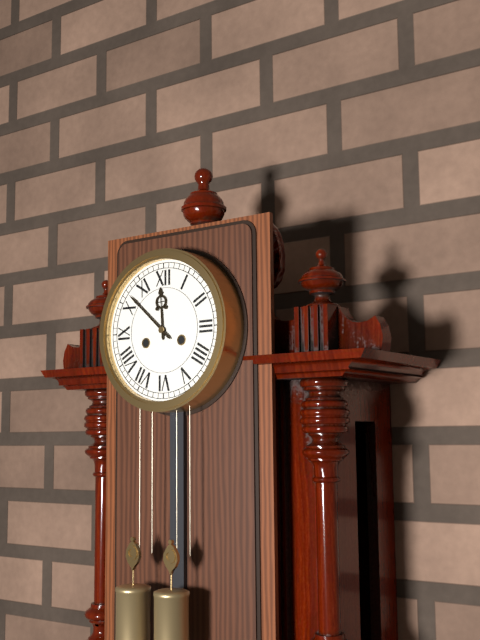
11:52
